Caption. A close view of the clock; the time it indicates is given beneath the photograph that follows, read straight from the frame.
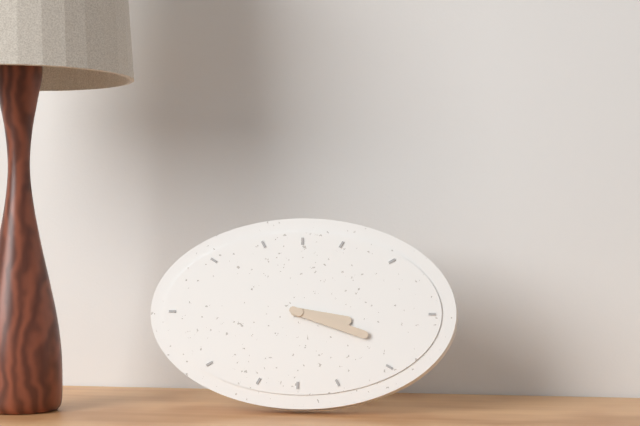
3:18
